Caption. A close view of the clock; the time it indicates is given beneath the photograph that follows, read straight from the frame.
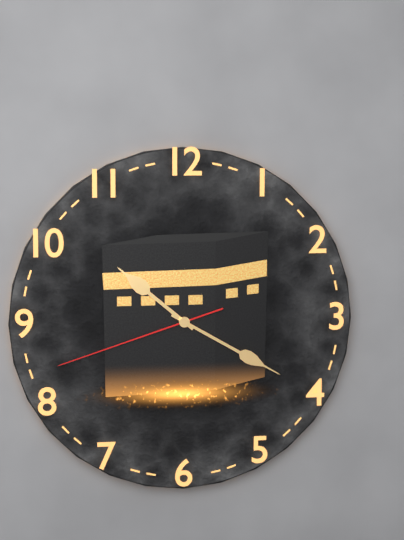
10:20:42
